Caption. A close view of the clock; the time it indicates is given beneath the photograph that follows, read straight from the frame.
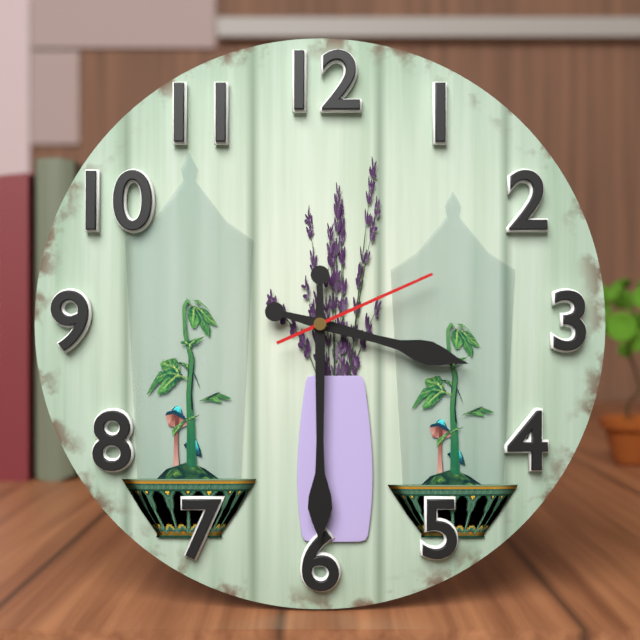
3:30:11
